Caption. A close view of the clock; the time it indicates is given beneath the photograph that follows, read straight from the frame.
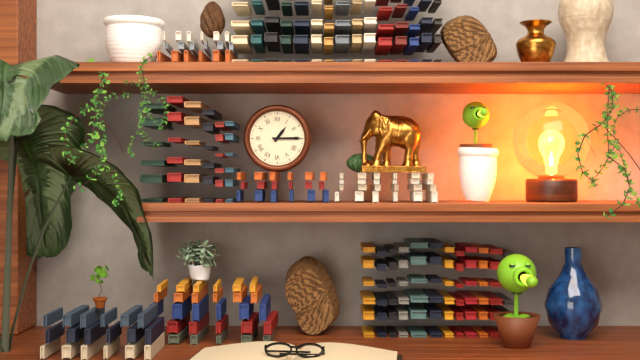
1:15
